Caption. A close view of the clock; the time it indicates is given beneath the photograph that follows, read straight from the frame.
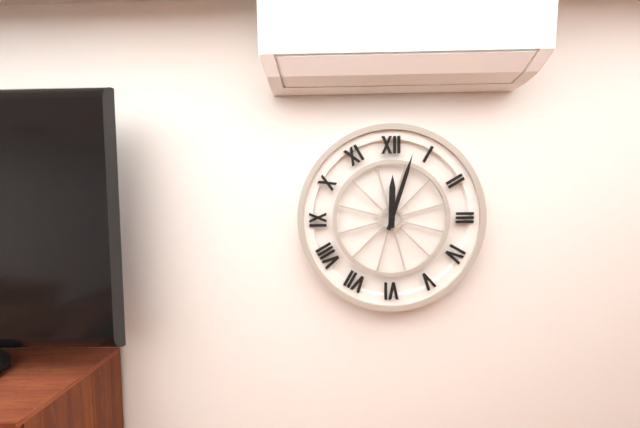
12:03
